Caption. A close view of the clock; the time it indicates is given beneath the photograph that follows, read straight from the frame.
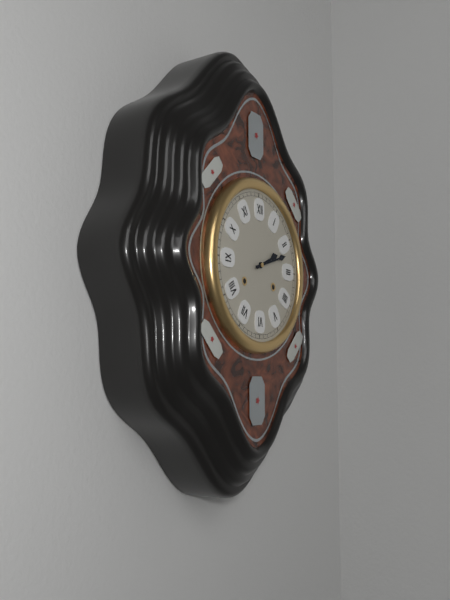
2:12
